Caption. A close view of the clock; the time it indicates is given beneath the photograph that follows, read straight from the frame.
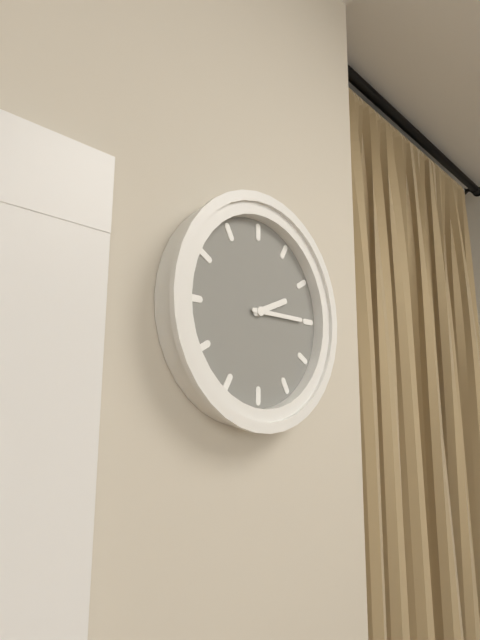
2:15
